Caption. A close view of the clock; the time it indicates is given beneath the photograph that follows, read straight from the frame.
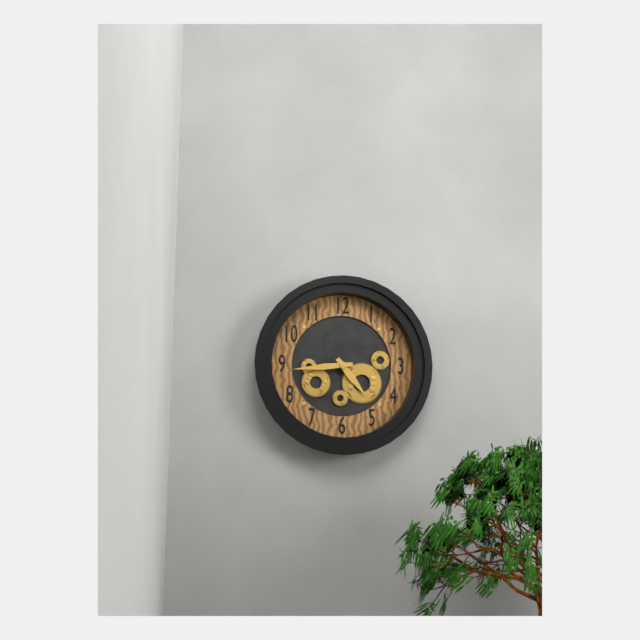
4:44
